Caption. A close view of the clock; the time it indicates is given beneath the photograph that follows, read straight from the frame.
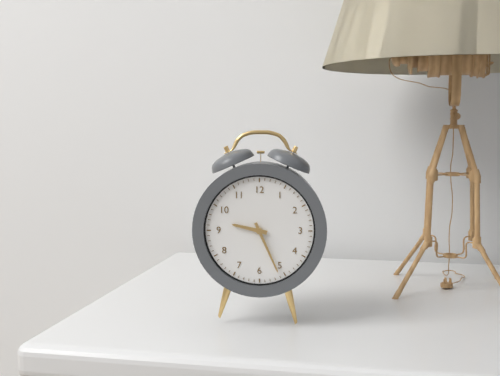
9:26
